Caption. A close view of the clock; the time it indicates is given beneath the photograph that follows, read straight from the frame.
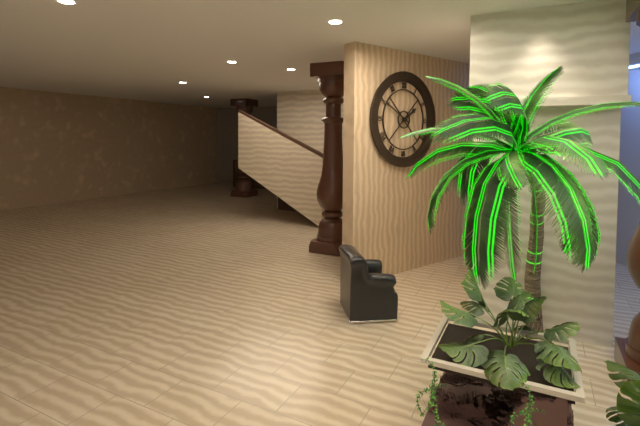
1:50
